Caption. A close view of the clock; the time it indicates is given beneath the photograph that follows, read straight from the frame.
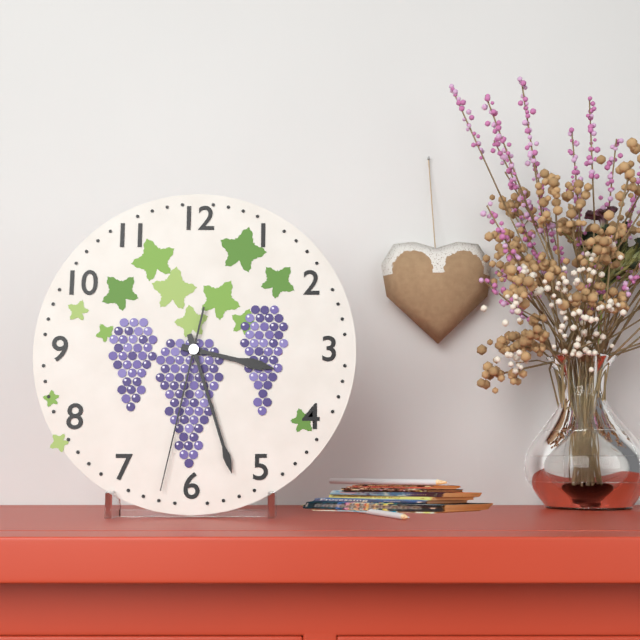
3:27:32
